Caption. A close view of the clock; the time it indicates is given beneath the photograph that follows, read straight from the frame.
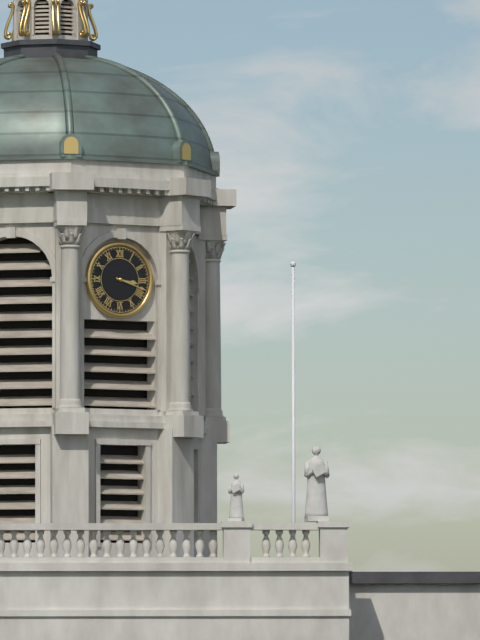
3:18
